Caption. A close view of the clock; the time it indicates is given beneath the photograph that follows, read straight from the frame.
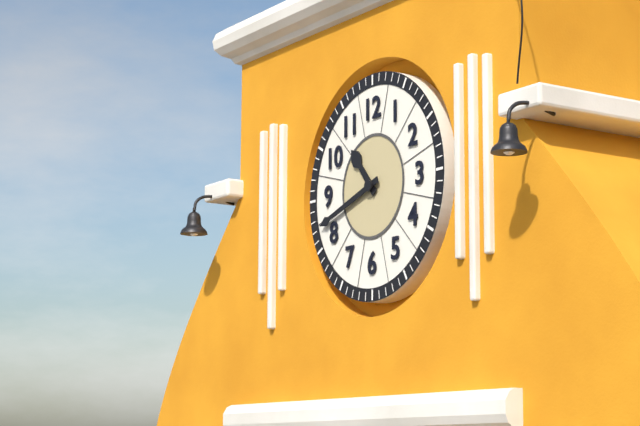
10:42
